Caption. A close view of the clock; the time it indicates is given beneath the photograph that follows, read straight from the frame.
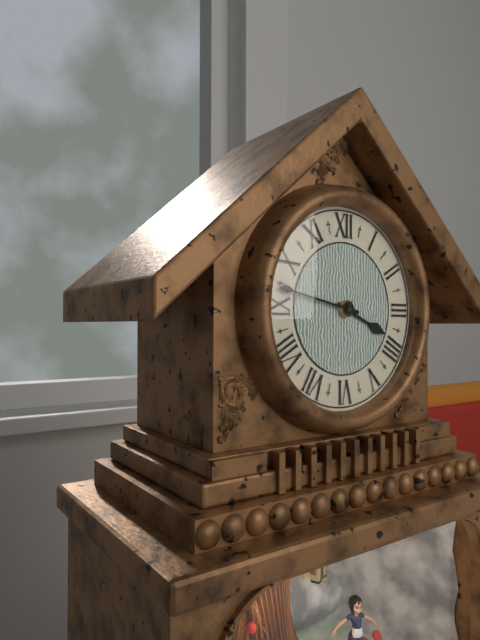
3:47
